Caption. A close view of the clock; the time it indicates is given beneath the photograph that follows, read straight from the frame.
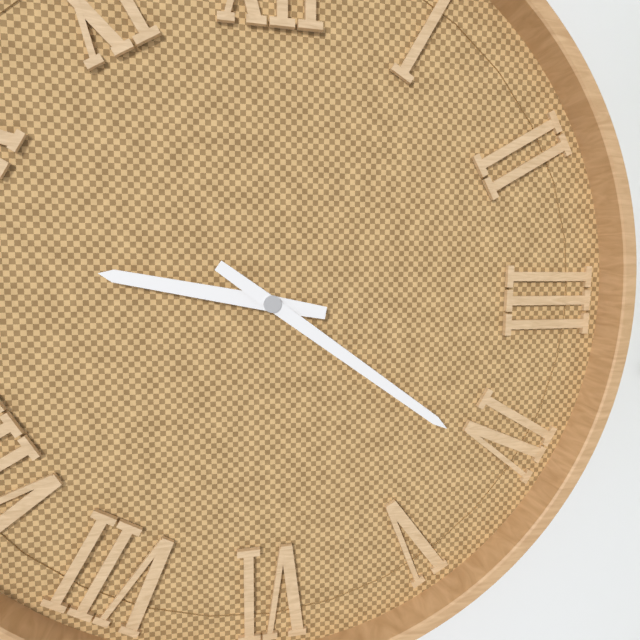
9:21
